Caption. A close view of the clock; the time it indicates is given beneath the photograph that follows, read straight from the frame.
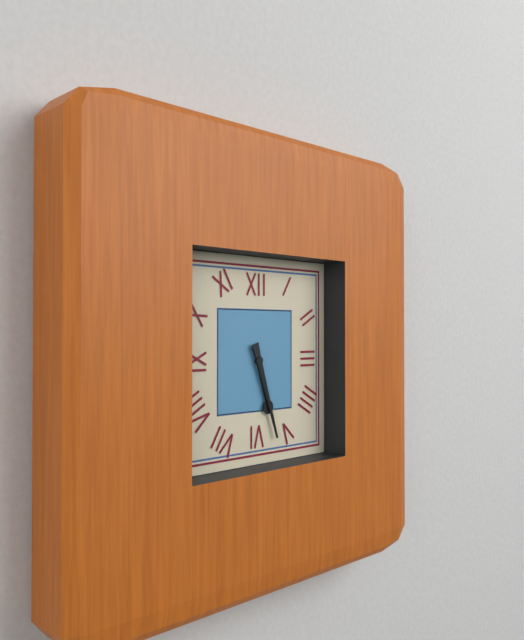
5:27
